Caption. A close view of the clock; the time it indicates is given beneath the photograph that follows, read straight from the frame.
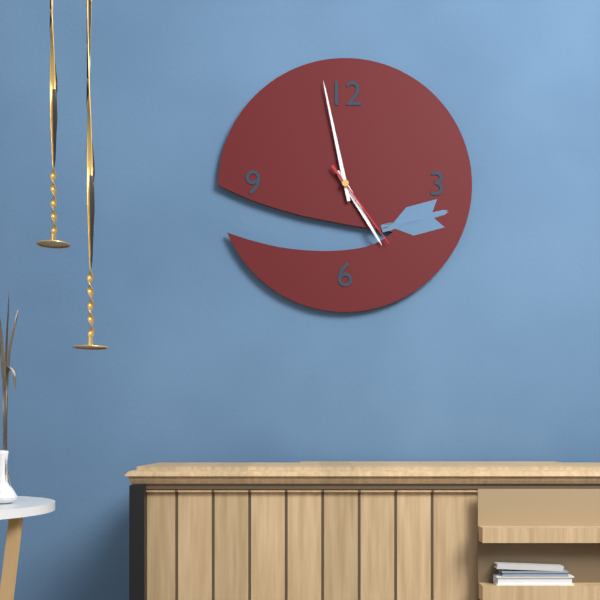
4:58:24
